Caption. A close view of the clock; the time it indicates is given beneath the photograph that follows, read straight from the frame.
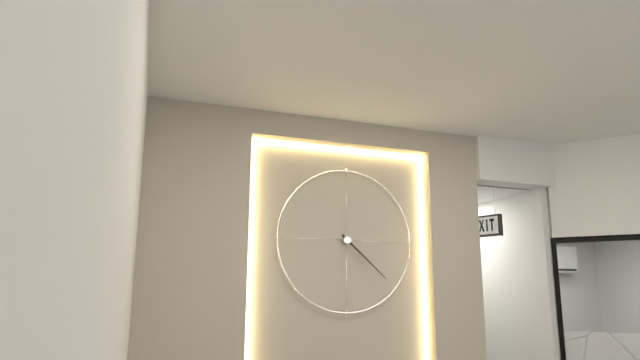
4:22
